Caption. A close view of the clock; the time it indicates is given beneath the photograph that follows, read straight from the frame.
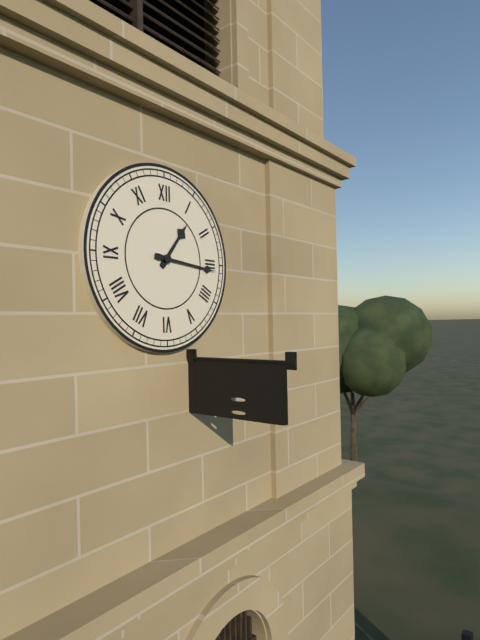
1:16
